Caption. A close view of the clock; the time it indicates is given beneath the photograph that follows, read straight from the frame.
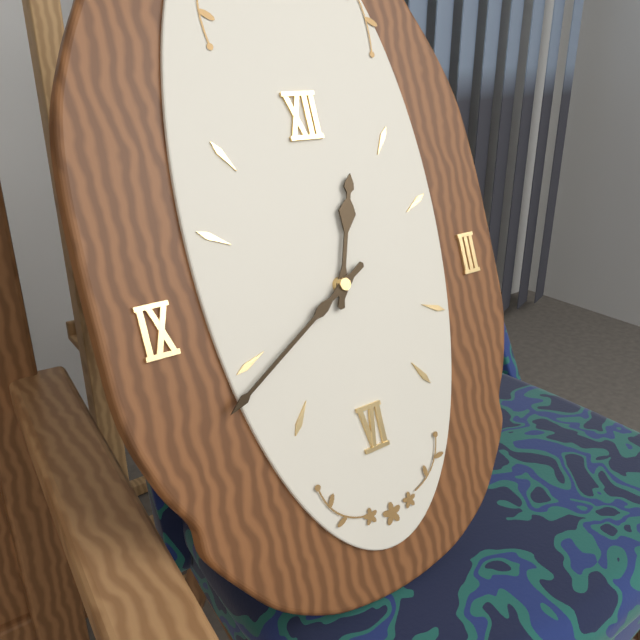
12:40
